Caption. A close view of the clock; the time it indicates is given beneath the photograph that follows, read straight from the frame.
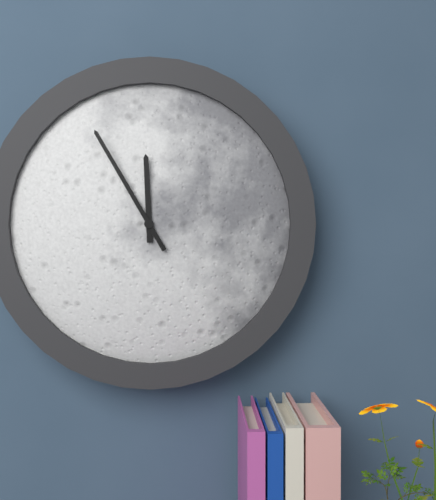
11:55
